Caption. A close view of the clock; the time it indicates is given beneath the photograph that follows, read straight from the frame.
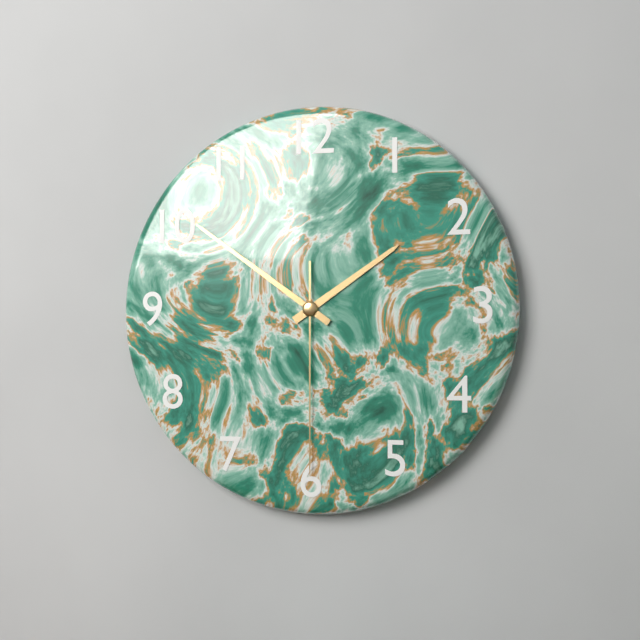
1:51:30
